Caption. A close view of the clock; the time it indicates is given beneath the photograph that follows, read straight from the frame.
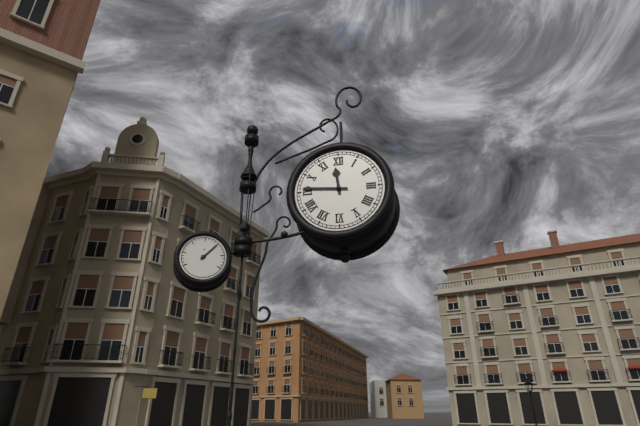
11:46
